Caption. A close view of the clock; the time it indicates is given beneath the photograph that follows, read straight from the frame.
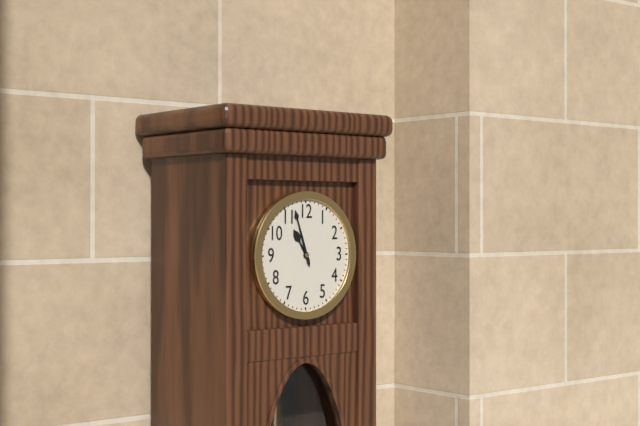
10:57
